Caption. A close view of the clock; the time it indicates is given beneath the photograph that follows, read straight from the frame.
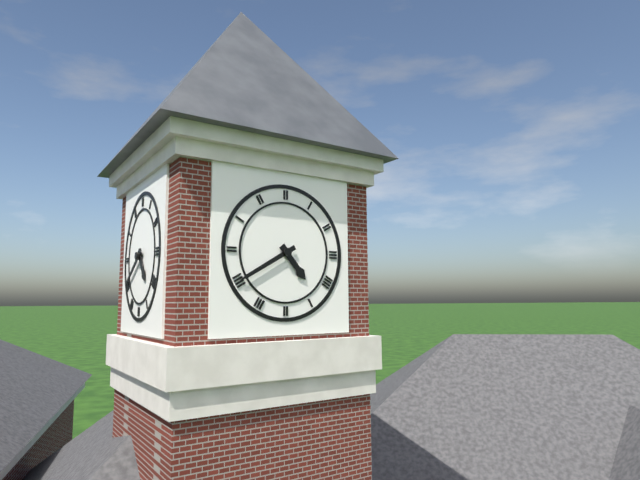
4:40
